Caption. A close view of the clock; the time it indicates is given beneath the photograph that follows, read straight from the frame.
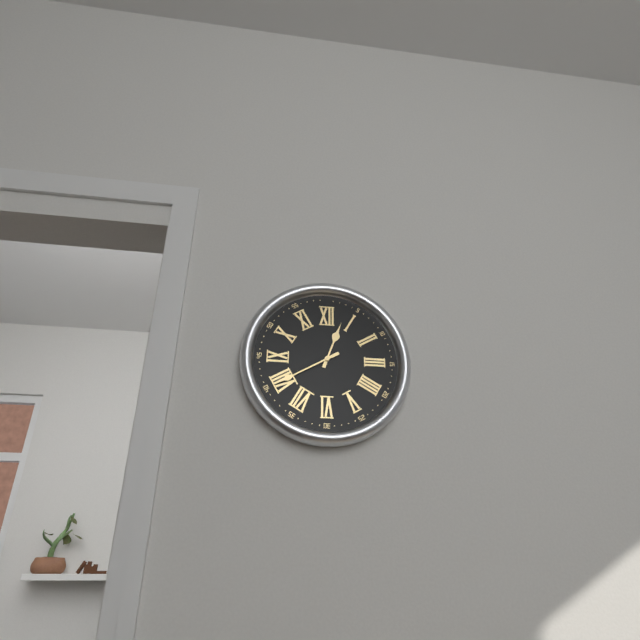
12:40
